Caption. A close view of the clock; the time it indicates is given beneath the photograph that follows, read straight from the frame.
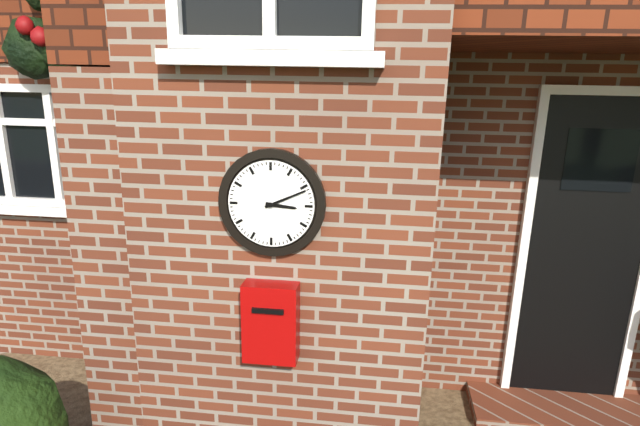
3:11
